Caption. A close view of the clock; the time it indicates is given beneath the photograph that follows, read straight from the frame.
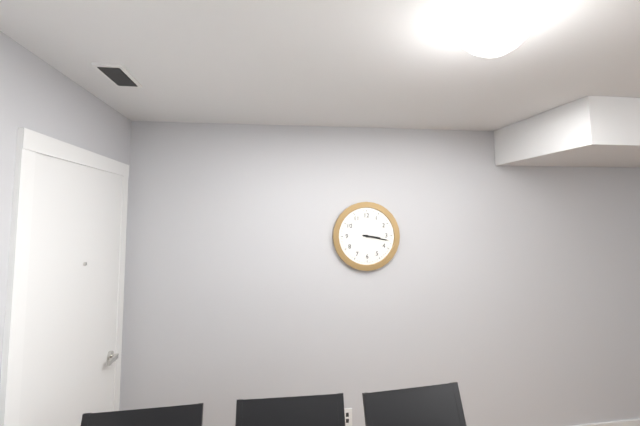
3:17
